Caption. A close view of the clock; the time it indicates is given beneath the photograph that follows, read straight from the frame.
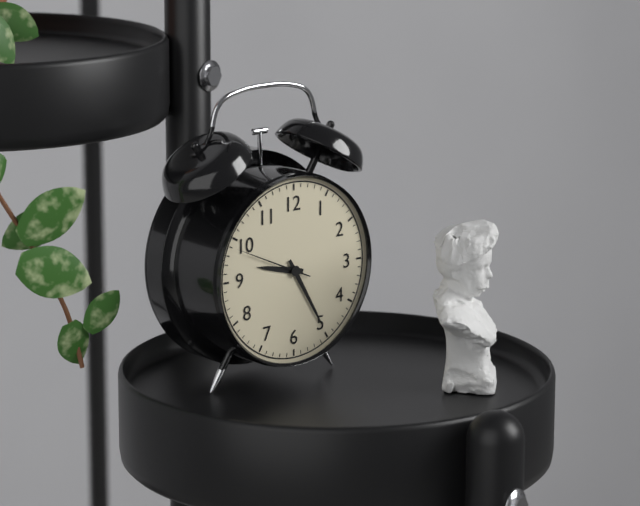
9:25:49
